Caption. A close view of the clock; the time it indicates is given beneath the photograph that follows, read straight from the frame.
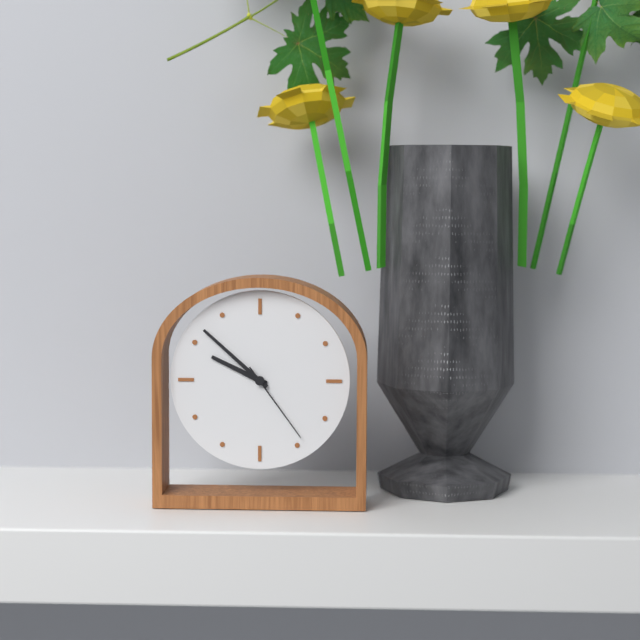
9:52:24
